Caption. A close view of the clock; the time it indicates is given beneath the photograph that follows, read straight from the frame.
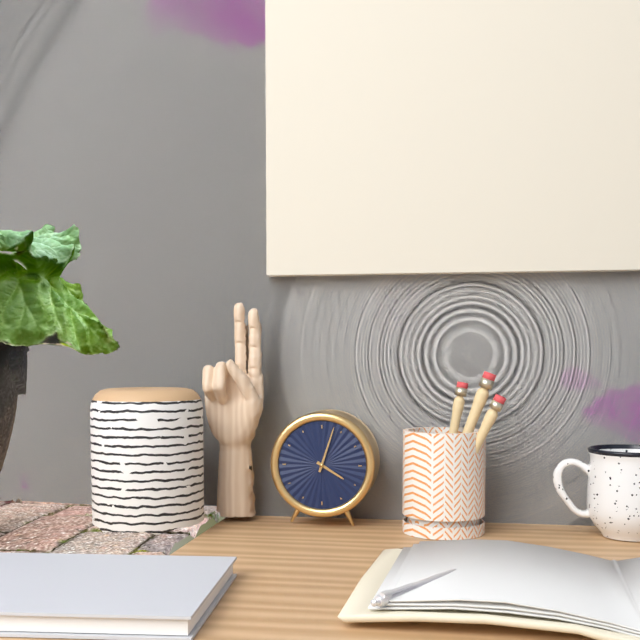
4:03
